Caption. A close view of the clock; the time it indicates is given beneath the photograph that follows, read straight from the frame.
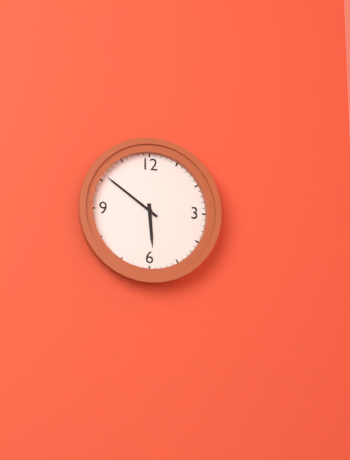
5:51
